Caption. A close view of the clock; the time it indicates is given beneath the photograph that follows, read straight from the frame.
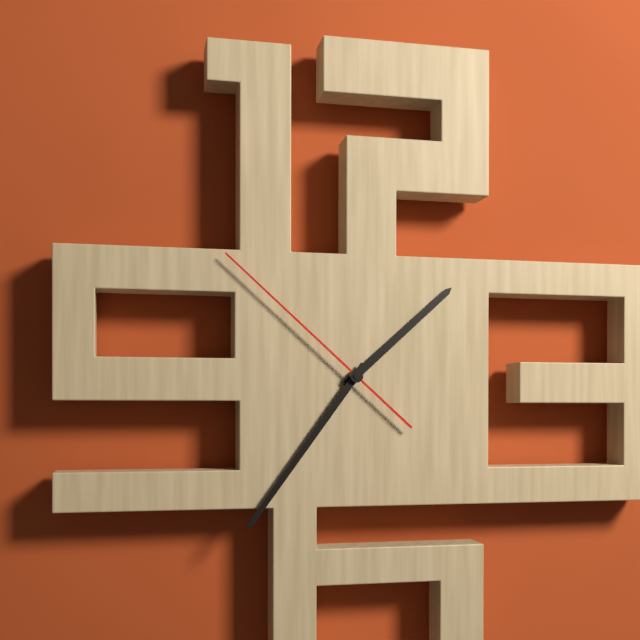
1:36:52
